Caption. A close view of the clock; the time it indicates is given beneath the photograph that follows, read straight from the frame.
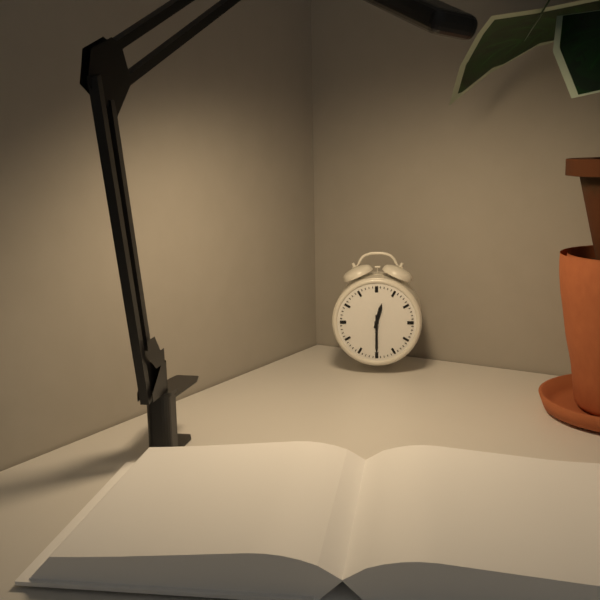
12:30
